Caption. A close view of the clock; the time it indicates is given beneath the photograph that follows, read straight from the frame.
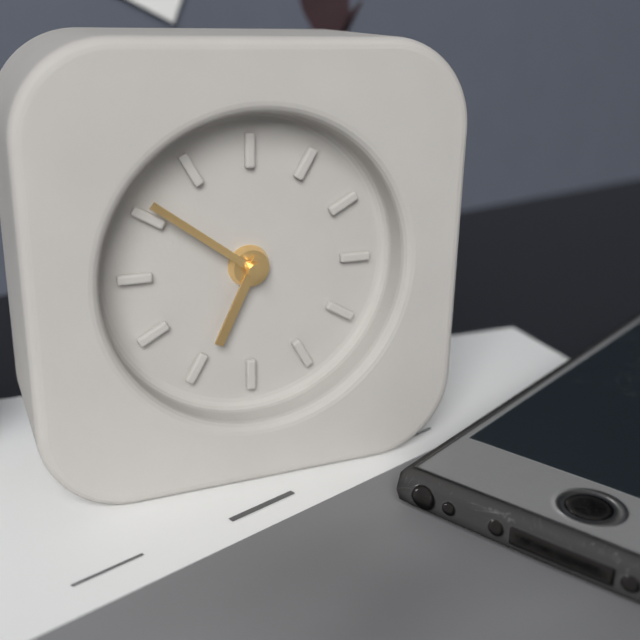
6:51
